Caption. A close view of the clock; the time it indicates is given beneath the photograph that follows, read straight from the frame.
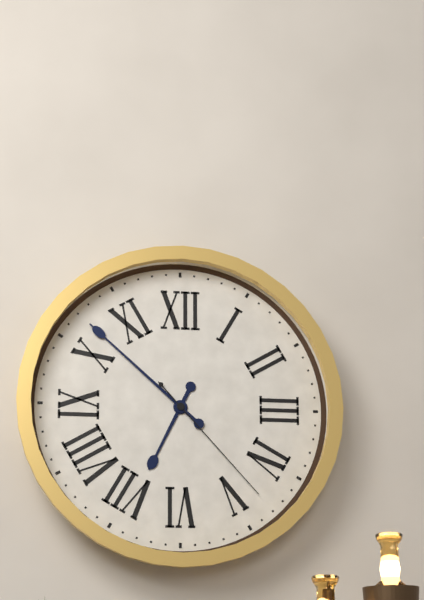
6:52:23
